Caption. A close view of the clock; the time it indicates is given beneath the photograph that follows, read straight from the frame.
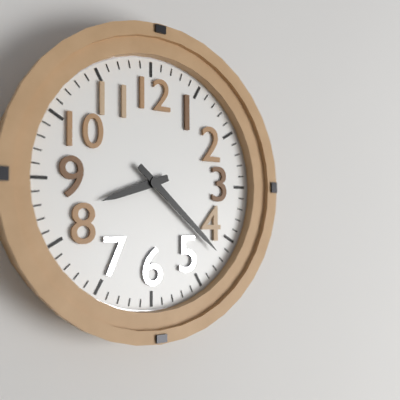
8:22
